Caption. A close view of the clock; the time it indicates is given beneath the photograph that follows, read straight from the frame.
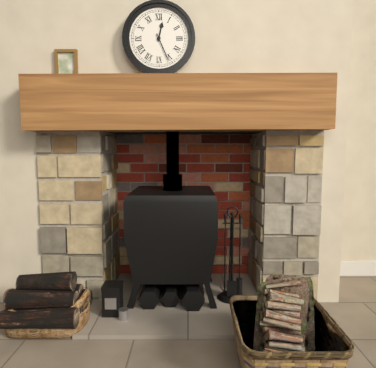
12:26
